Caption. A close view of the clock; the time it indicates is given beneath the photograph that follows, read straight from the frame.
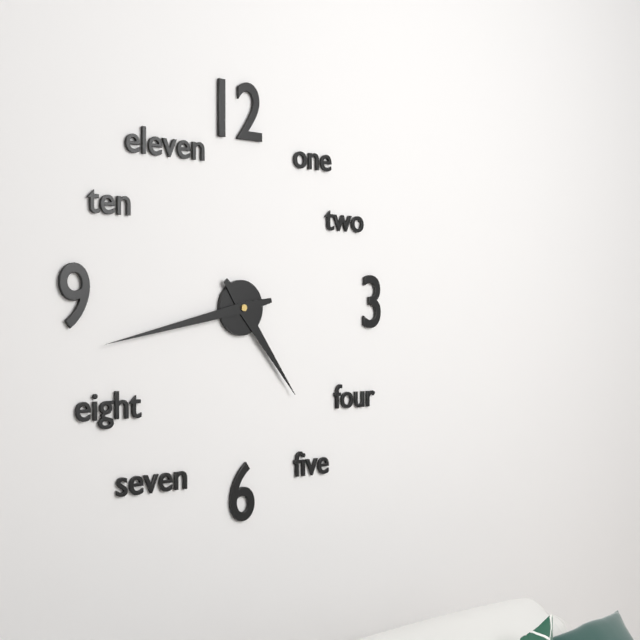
4:43
